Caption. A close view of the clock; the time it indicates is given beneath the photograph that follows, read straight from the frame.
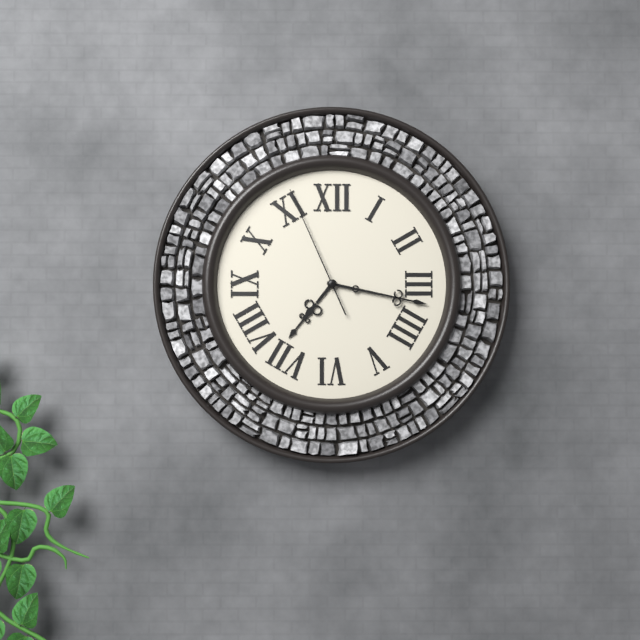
7:17:56
